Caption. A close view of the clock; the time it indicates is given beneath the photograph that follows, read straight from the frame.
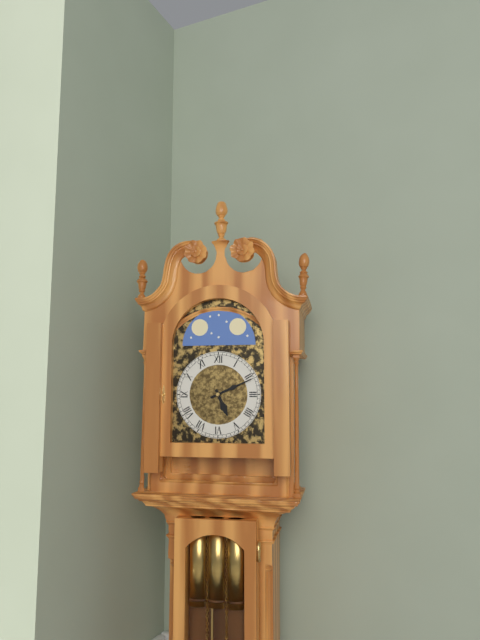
5:11
